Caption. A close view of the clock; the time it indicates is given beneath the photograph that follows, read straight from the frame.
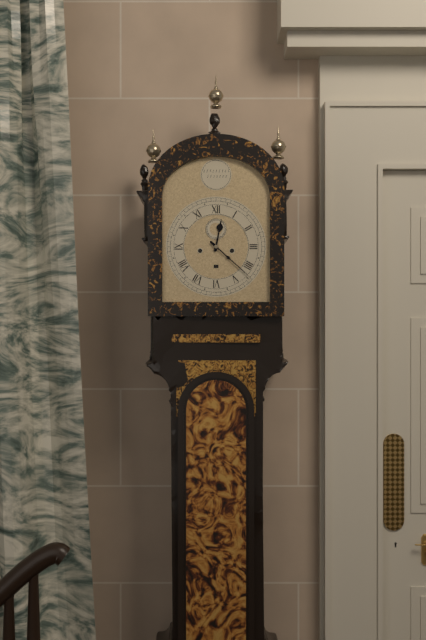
12:22
